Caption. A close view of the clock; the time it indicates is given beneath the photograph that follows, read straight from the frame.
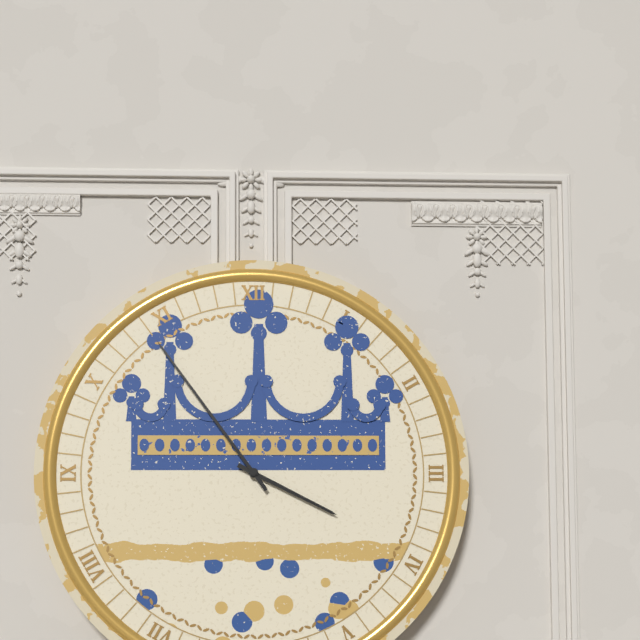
3:54
